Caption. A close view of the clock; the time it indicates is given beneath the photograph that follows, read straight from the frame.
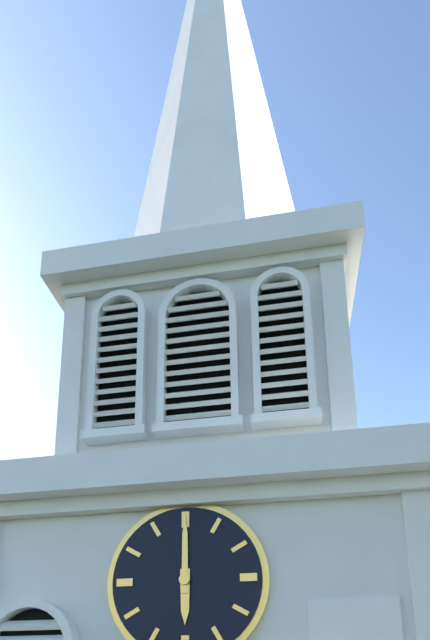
6:00
